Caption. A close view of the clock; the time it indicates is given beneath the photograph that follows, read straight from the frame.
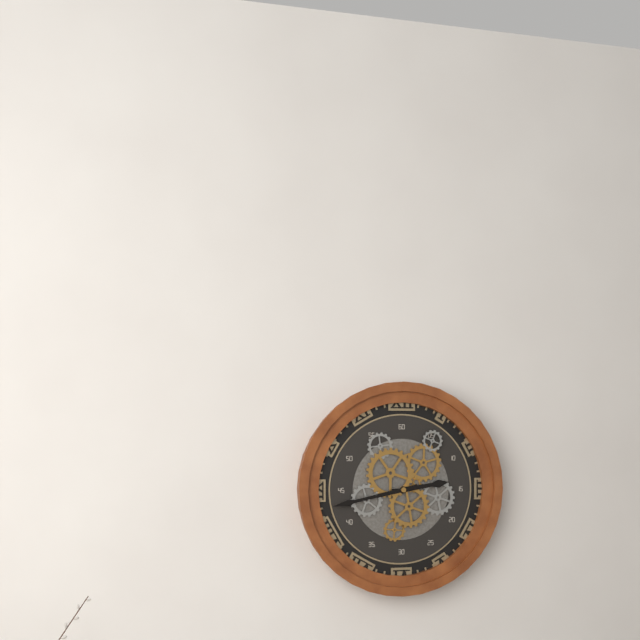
2:43
